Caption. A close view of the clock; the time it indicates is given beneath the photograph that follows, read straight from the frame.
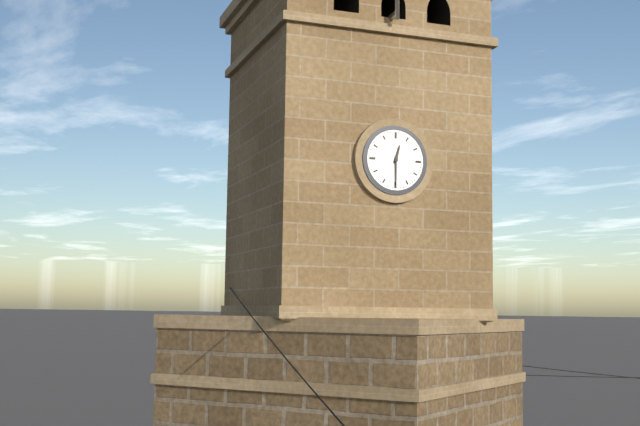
12:30
